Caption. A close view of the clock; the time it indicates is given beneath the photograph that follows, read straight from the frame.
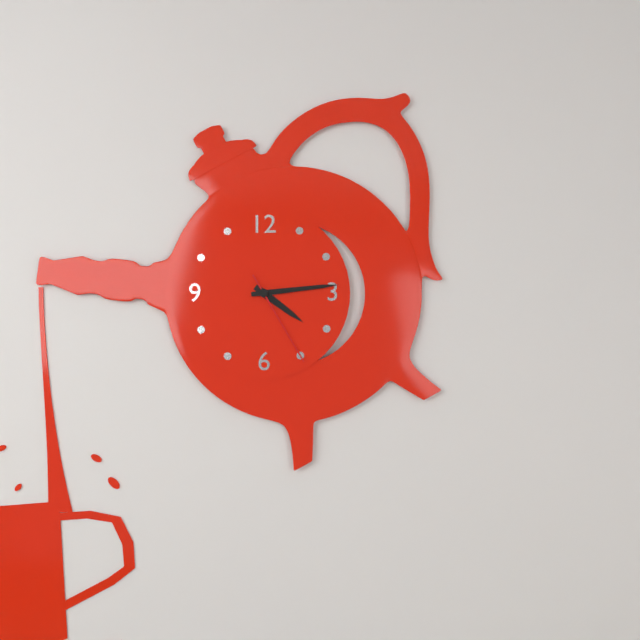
4:14:25
